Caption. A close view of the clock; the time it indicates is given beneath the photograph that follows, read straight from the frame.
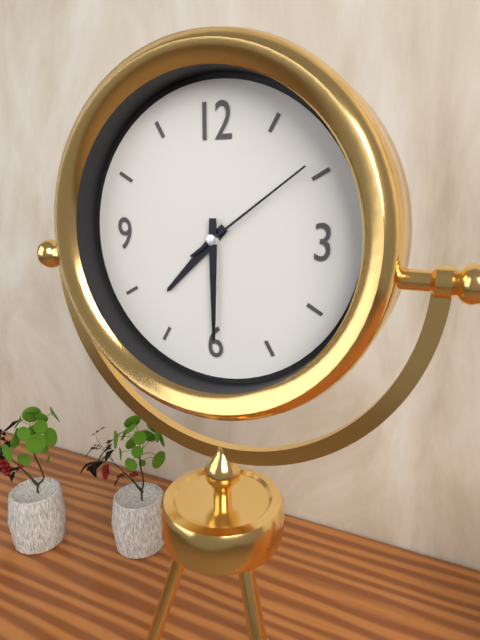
7:30:09
